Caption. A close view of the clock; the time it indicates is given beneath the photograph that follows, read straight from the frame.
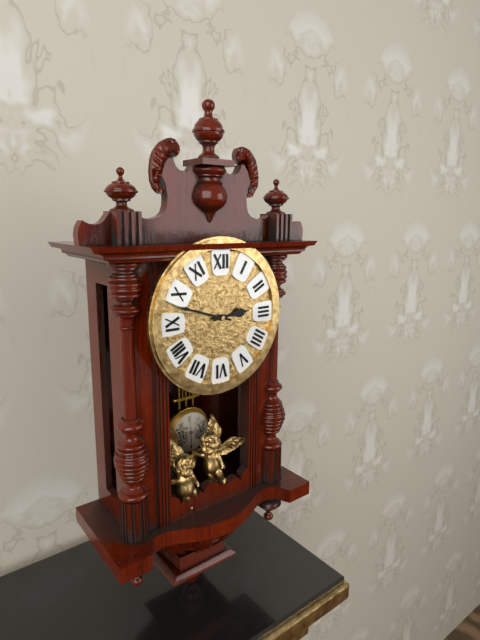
2:48
